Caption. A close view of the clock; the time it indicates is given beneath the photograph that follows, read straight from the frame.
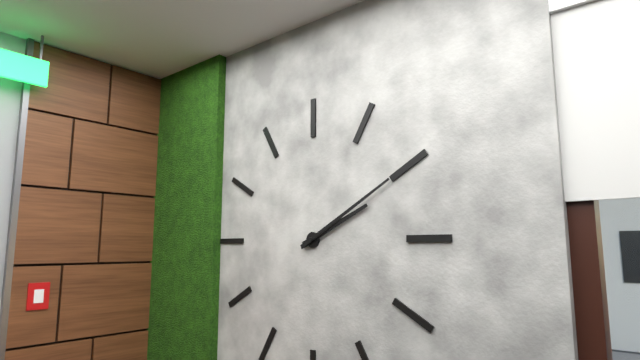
2:10
